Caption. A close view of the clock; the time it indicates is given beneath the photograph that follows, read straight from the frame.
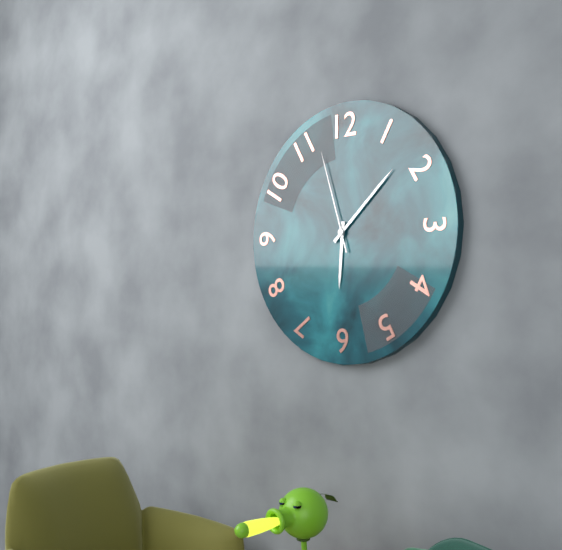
6:08:57
